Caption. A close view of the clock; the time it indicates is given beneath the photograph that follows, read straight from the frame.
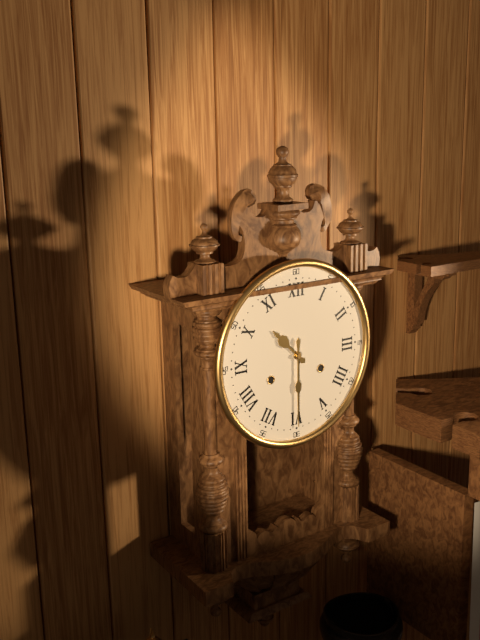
10:30
